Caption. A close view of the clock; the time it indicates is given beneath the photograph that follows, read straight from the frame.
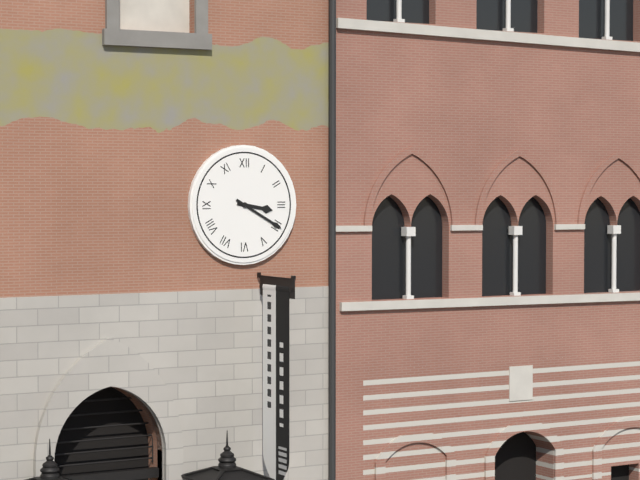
3:20
